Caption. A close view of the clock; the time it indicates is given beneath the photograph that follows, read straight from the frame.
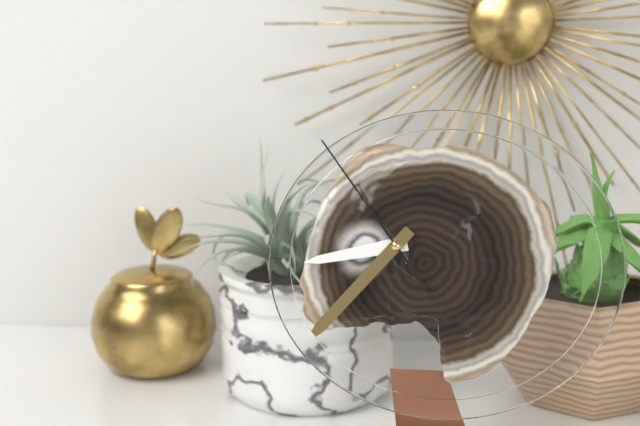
8:37:54
